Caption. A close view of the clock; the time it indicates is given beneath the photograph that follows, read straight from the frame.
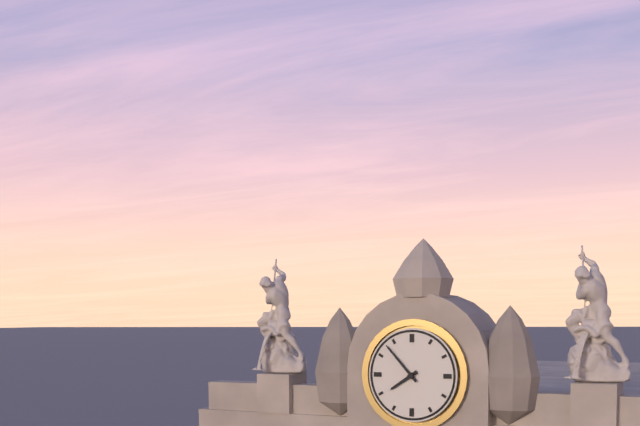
7:53
